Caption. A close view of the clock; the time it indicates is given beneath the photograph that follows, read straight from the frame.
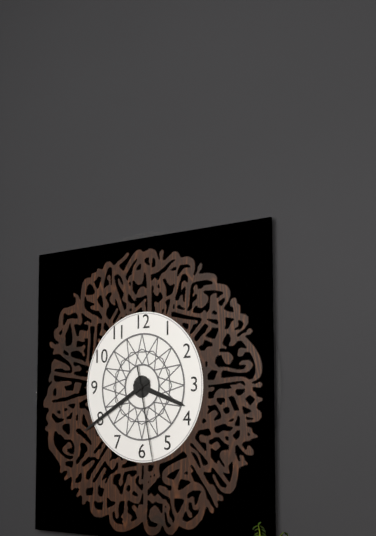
3:40:28
